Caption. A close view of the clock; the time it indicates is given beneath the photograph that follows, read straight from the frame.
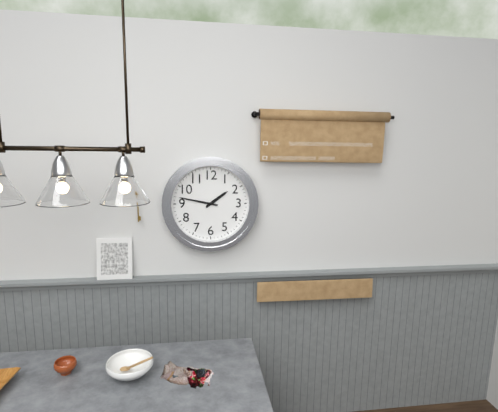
1:47
